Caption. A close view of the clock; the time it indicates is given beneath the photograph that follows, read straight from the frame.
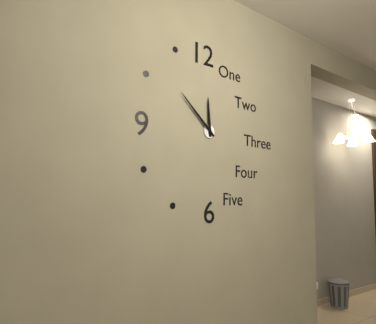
11:52
